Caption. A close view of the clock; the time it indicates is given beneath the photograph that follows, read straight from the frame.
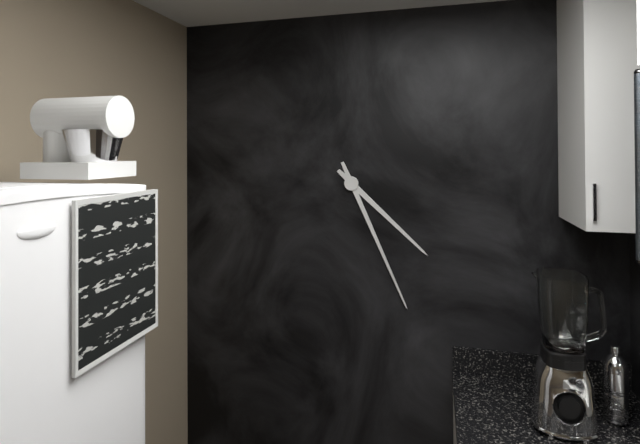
4:26
